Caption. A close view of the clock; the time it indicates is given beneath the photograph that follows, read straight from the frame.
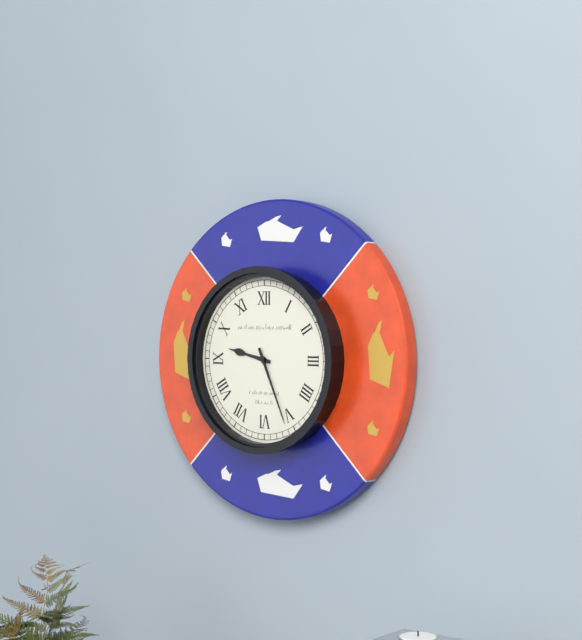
9:26
